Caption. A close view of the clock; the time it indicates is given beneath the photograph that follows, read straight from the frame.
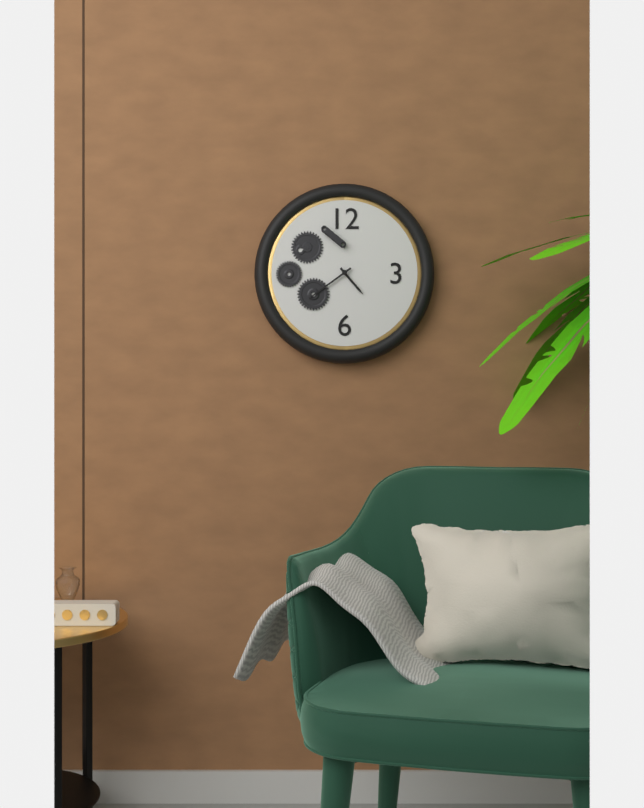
4:39
